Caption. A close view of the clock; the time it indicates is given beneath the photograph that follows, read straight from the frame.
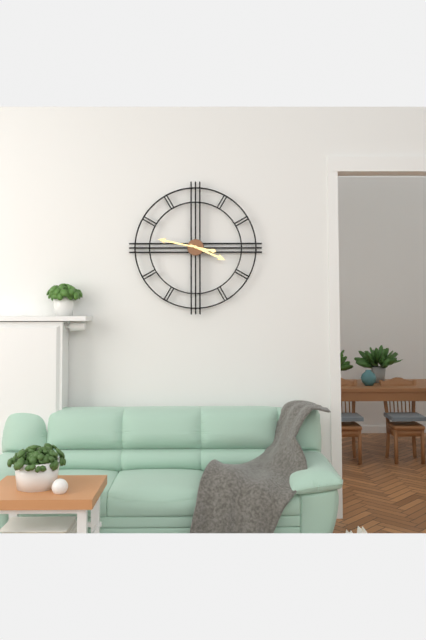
3:47
